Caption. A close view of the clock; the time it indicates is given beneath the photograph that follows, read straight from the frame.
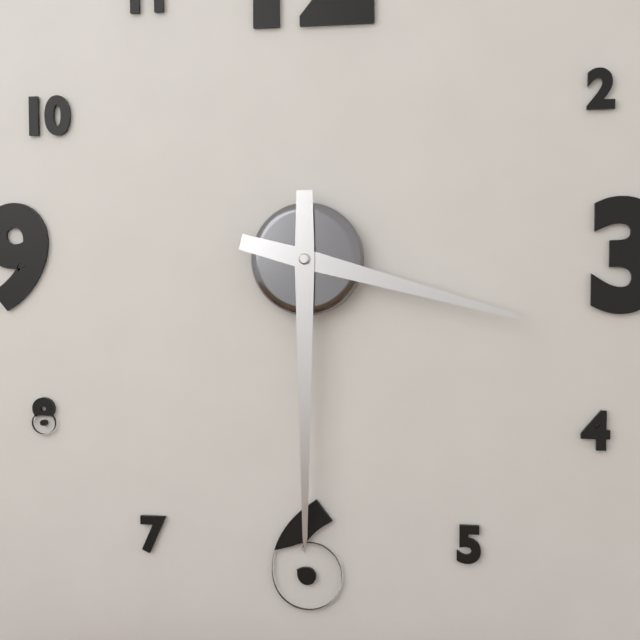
3:30
